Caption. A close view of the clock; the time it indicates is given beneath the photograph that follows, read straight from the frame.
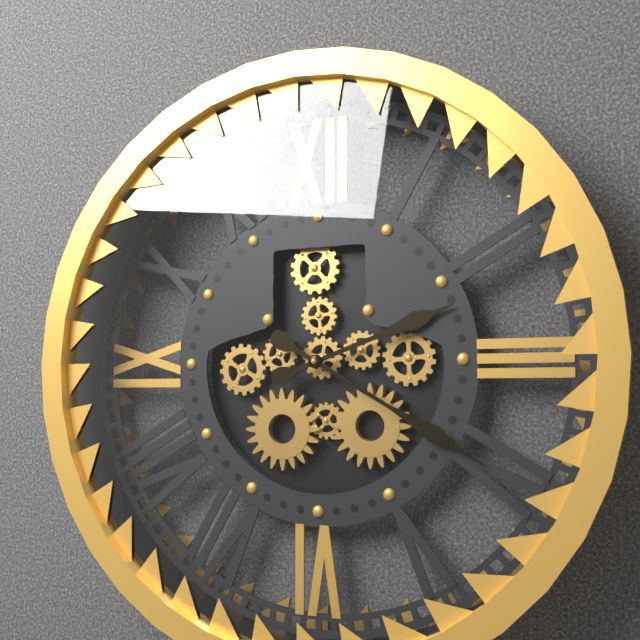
2:20
